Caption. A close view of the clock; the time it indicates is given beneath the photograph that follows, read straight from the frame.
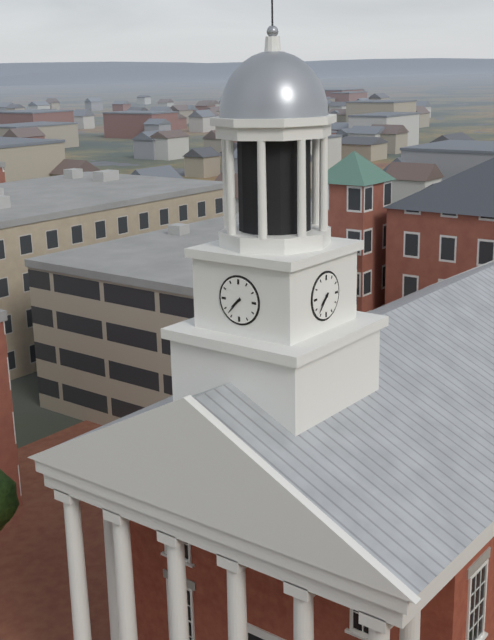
7:37
